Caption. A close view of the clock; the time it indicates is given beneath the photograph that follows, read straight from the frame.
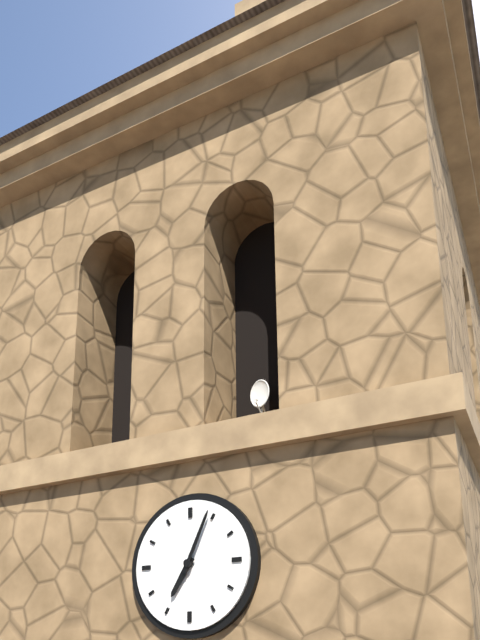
7:04
